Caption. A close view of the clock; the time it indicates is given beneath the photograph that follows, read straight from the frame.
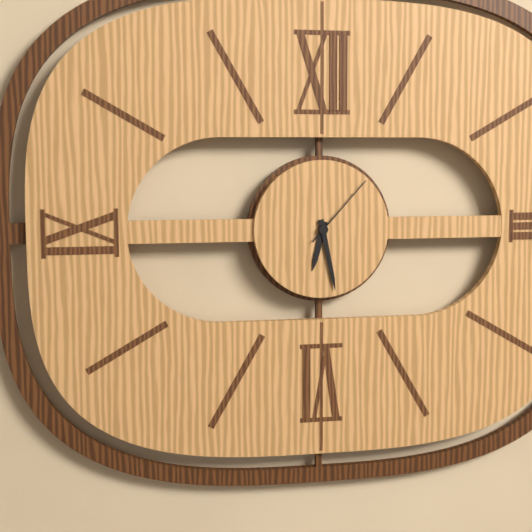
6:28:07
